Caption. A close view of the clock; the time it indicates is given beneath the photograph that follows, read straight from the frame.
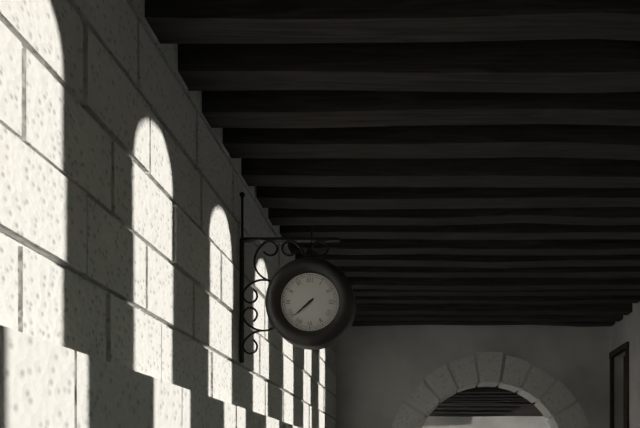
7:38
